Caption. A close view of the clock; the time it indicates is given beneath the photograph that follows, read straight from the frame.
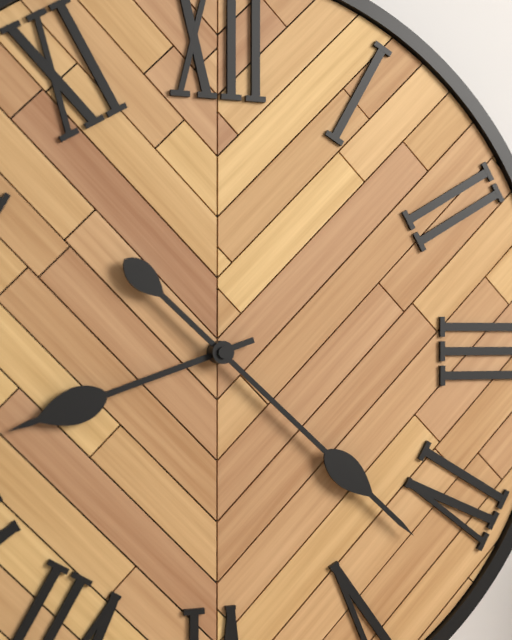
8:22
